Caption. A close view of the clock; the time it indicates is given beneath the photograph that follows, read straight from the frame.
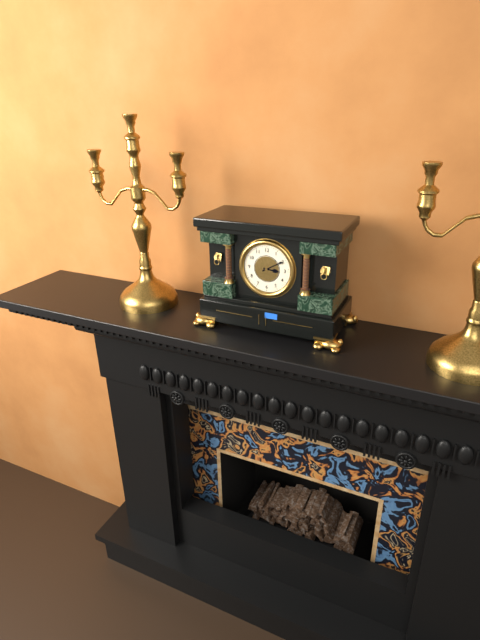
3:10
